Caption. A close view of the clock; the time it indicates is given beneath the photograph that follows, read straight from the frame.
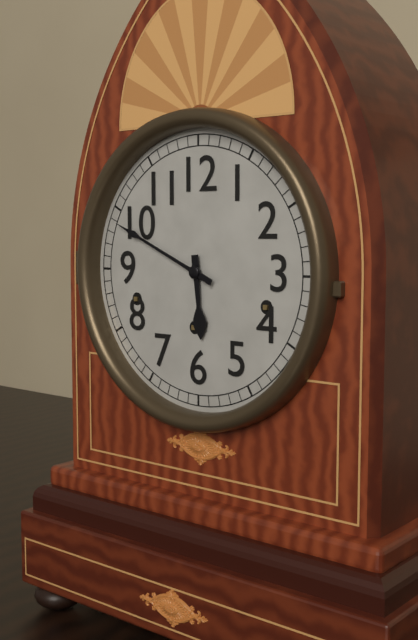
5:49
